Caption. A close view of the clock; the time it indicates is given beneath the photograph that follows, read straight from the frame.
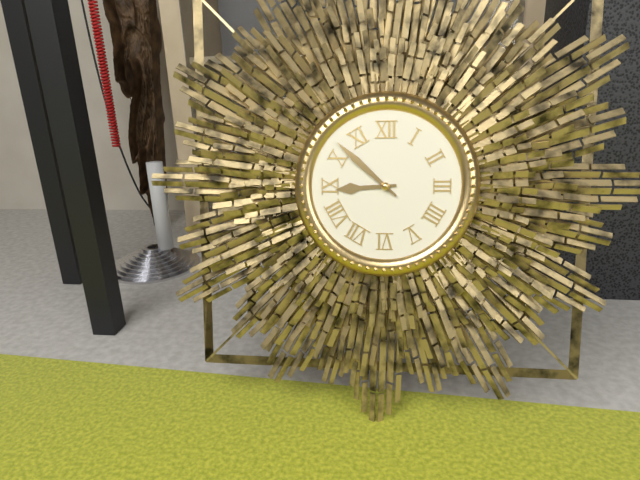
8:52
